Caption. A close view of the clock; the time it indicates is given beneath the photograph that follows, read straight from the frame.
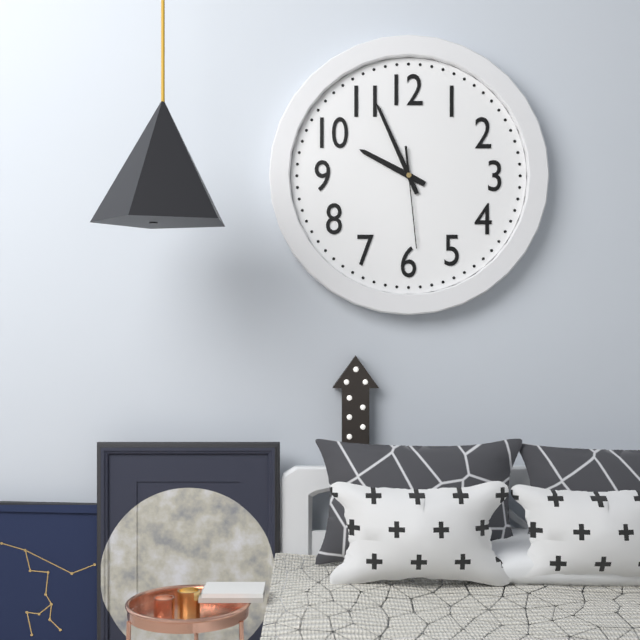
9:56:29
